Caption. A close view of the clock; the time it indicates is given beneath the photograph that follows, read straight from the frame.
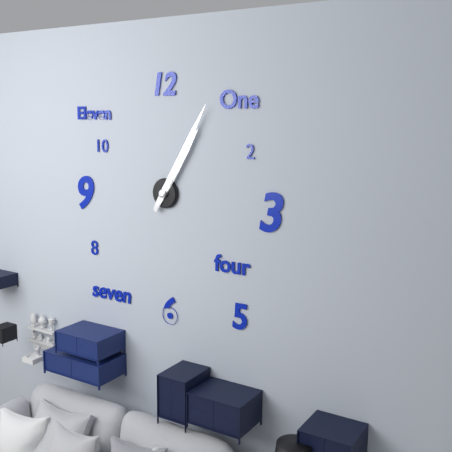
1:05
